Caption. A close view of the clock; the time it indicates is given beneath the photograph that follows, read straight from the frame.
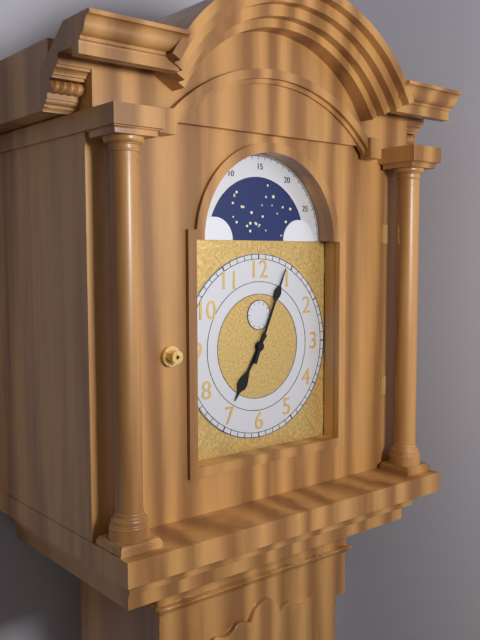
7:04
